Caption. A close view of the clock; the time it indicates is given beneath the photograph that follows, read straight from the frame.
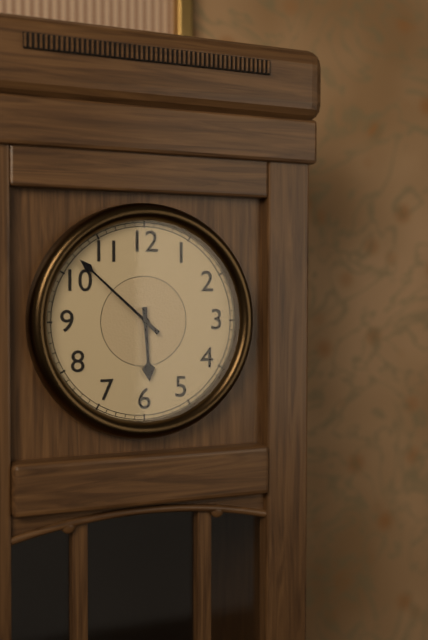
5:52
